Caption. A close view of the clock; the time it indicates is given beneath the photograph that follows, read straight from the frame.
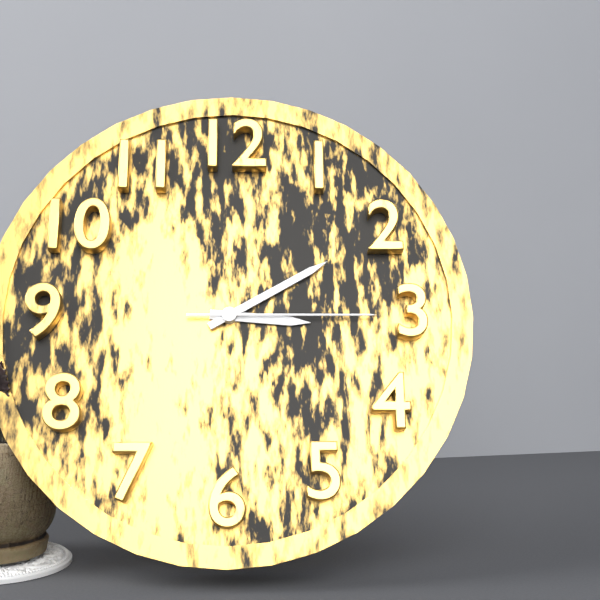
3:10:15
